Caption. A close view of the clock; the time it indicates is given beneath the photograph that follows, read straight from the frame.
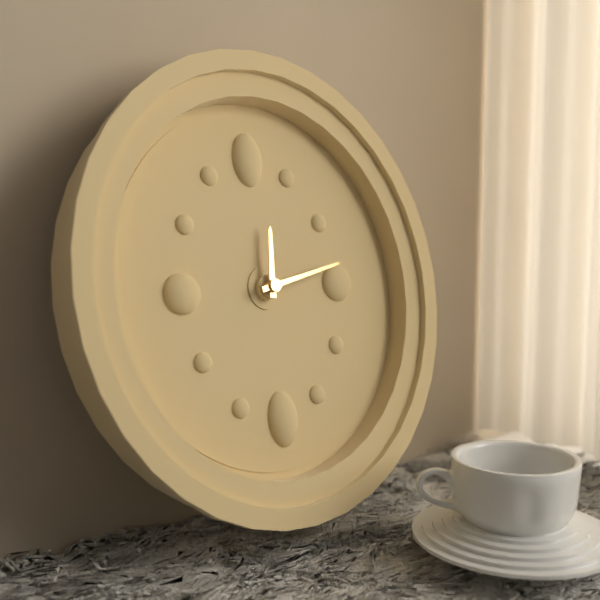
12:13
